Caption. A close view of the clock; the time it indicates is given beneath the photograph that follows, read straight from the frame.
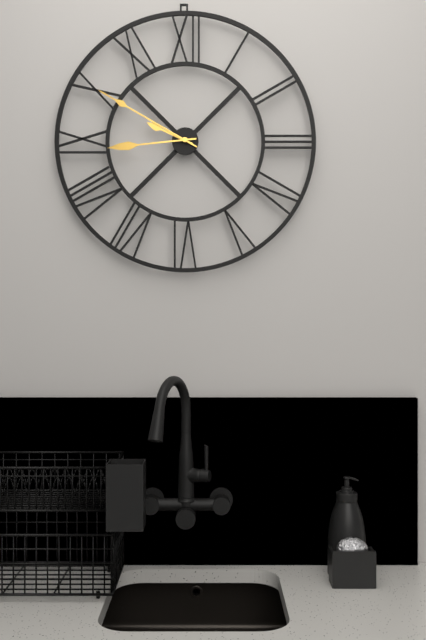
9:50:44
